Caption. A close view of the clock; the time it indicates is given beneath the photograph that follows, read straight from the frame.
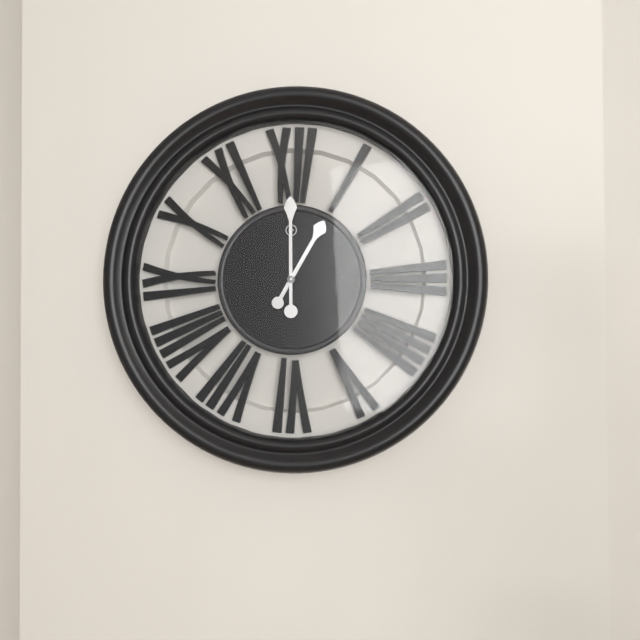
1:00
